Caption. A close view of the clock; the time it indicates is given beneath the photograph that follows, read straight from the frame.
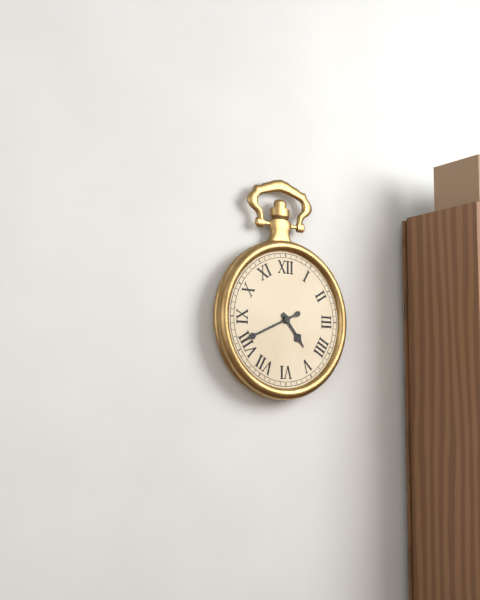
4:41
